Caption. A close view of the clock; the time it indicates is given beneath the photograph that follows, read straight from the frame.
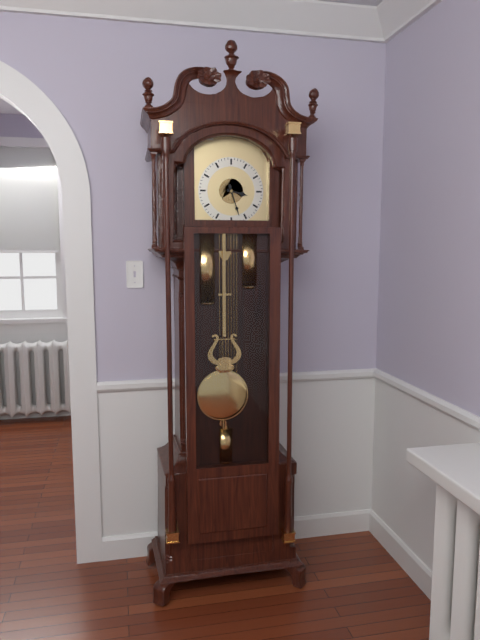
3:27
